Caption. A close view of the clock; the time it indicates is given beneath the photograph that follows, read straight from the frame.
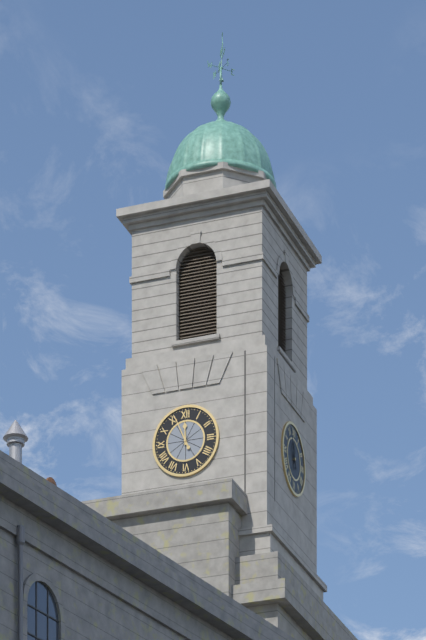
11:56
